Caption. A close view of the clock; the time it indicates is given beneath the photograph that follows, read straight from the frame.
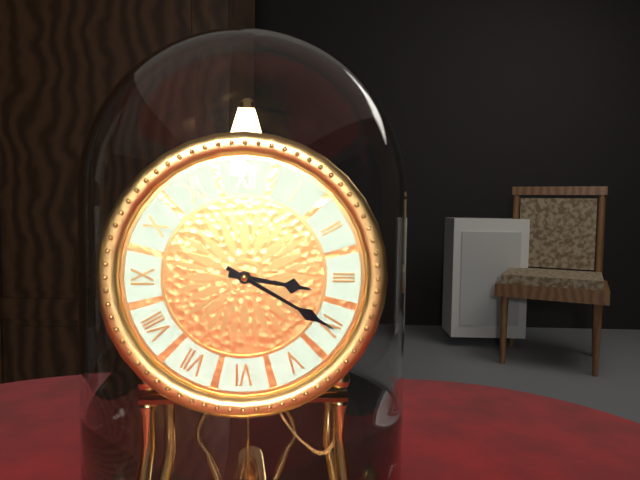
3:20
